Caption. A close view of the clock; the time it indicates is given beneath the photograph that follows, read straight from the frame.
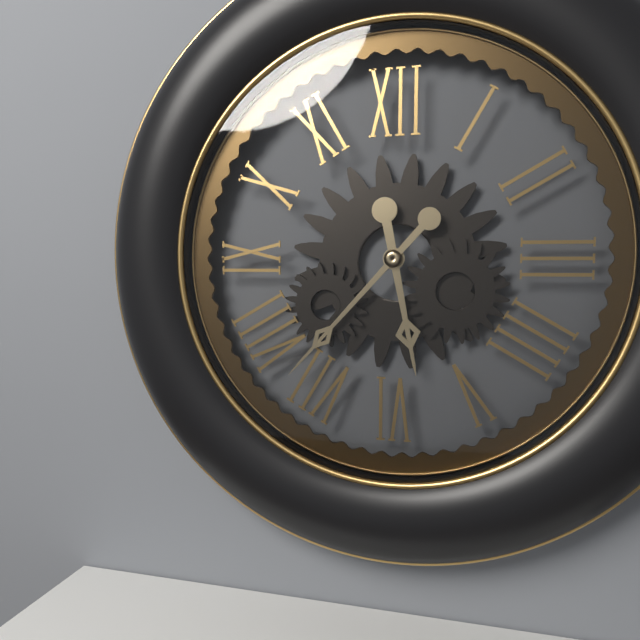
5:37
